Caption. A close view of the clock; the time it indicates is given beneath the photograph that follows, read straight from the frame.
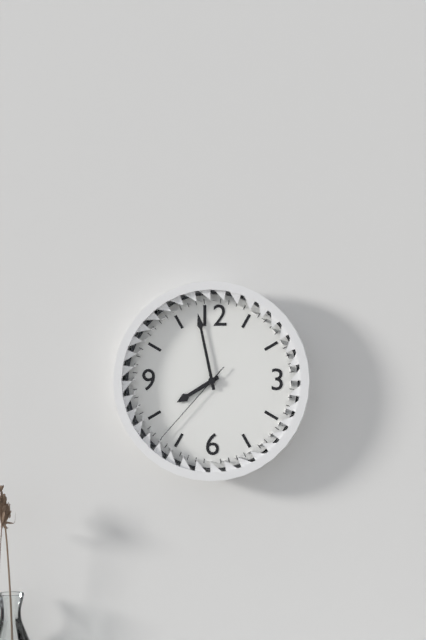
7:58:37
